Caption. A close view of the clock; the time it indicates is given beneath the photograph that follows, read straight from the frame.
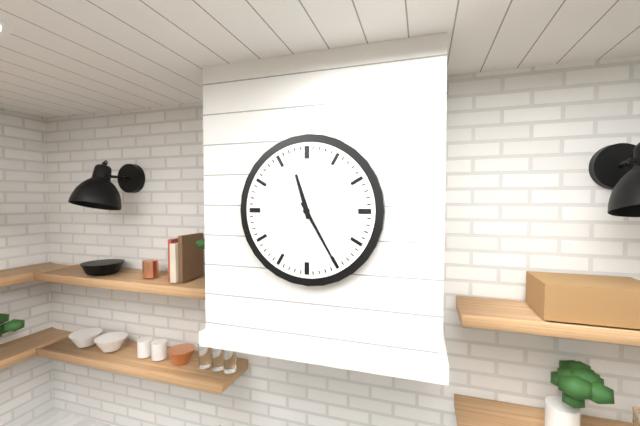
11:25
